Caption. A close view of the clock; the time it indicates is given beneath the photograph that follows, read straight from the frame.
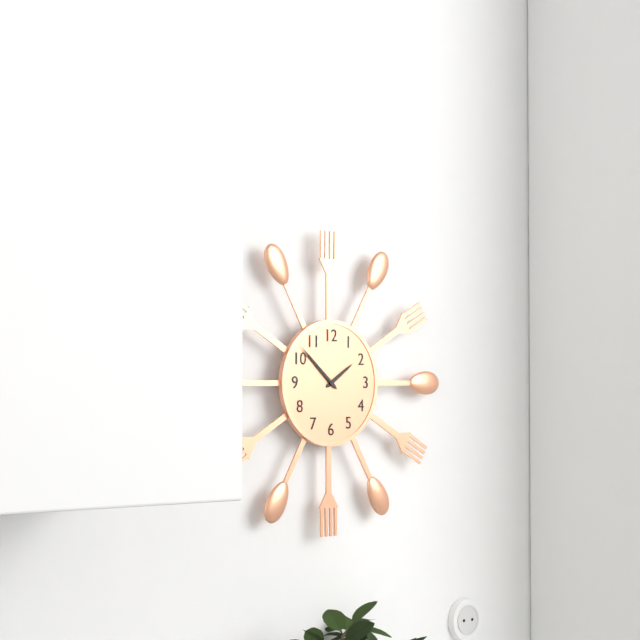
1:52
